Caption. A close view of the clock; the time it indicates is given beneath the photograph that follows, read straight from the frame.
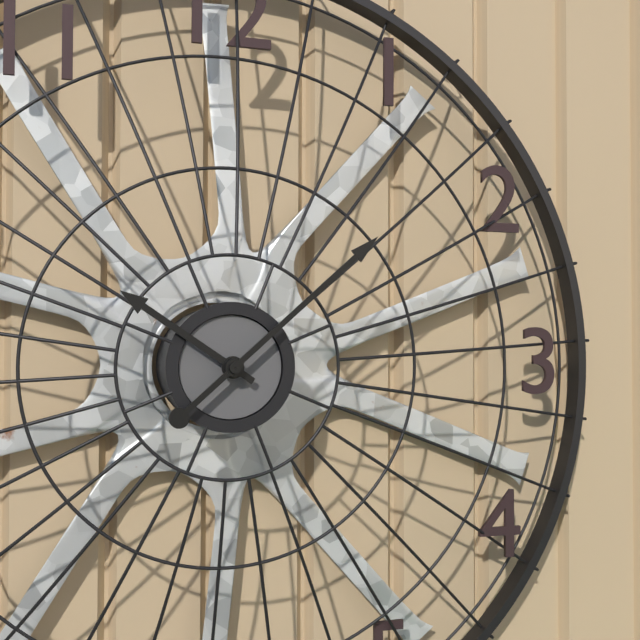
10:08
